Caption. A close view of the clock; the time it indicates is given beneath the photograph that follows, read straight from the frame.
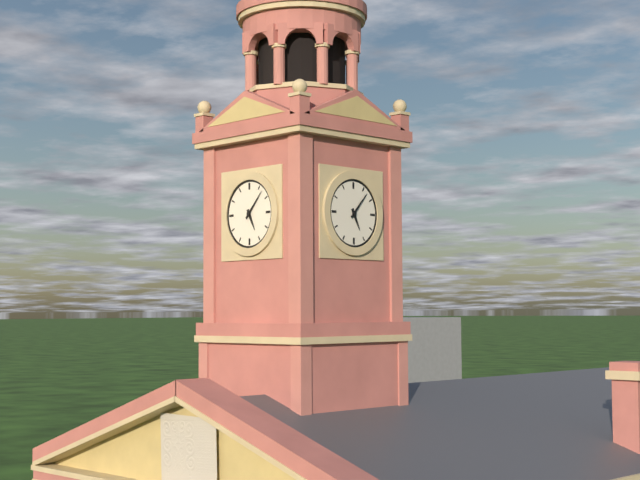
5:07
